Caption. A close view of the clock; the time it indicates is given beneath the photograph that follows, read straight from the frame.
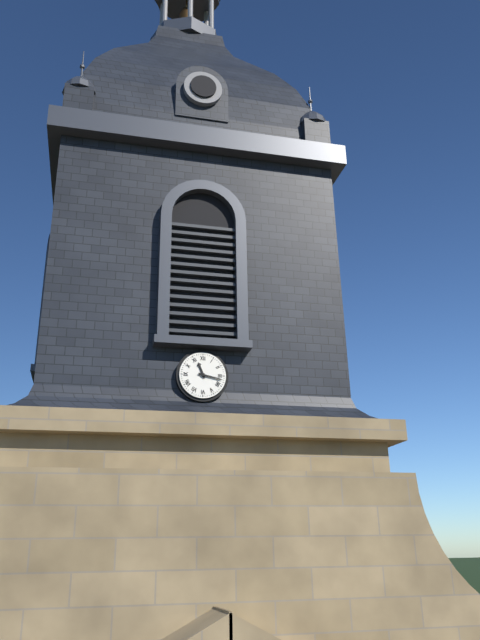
11:17
